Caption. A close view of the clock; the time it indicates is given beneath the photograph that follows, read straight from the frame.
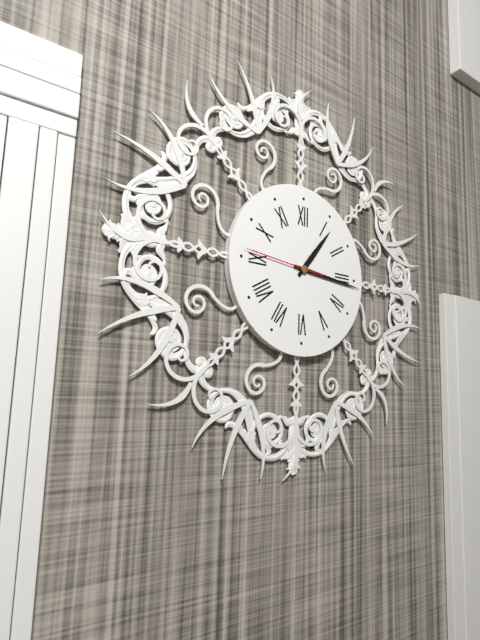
1:16:46
